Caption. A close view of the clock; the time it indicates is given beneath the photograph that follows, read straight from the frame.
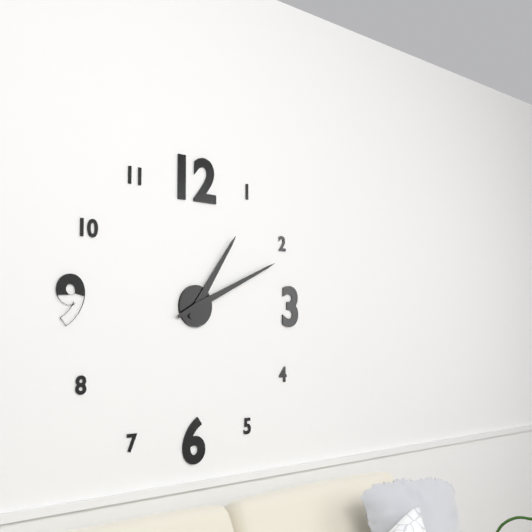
1:11
